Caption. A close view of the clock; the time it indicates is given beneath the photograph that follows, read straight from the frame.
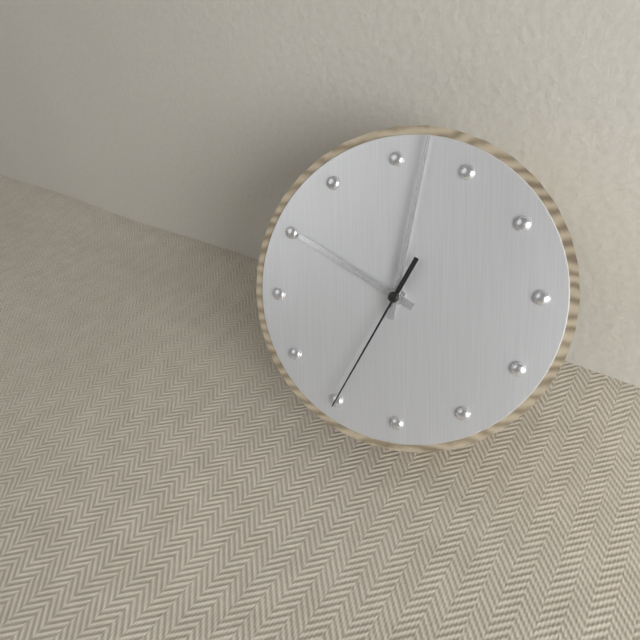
10:02:35
